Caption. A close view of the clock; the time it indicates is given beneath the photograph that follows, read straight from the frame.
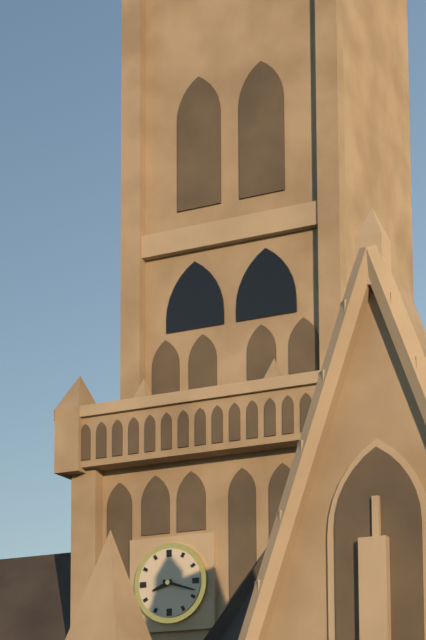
8:18
